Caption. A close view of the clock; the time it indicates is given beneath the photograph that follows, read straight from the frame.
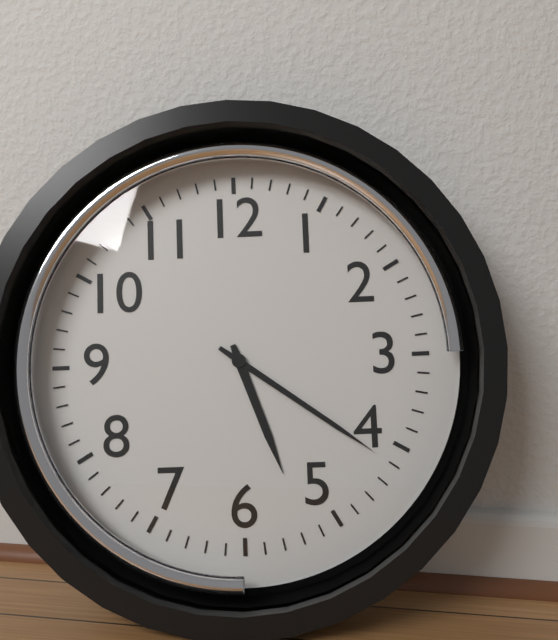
5:21
